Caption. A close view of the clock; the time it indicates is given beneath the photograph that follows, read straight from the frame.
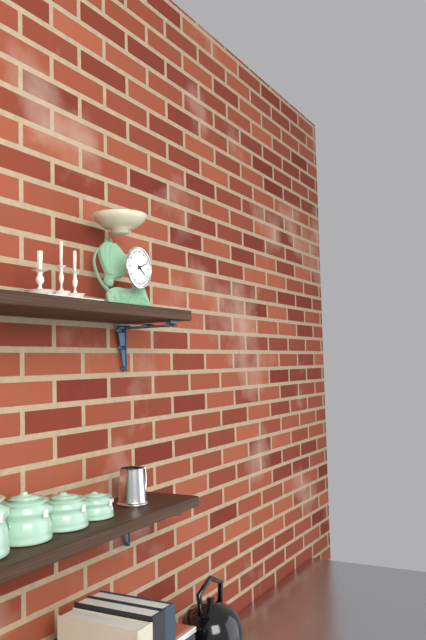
4:11
